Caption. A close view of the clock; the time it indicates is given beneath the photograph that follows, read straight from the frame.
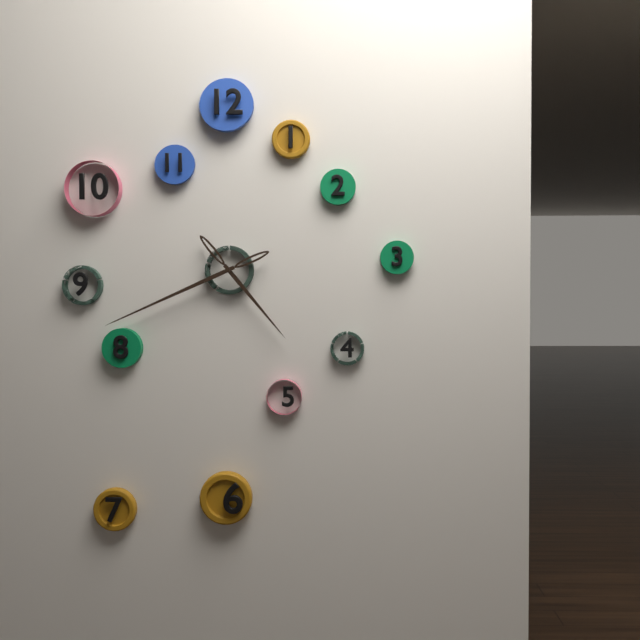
4:41
